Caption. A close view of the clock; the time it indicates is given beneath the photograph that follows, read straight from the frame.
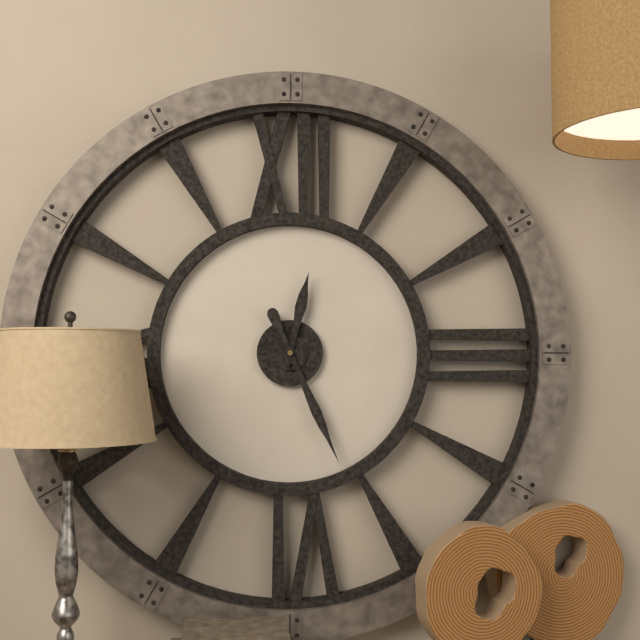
12:26
